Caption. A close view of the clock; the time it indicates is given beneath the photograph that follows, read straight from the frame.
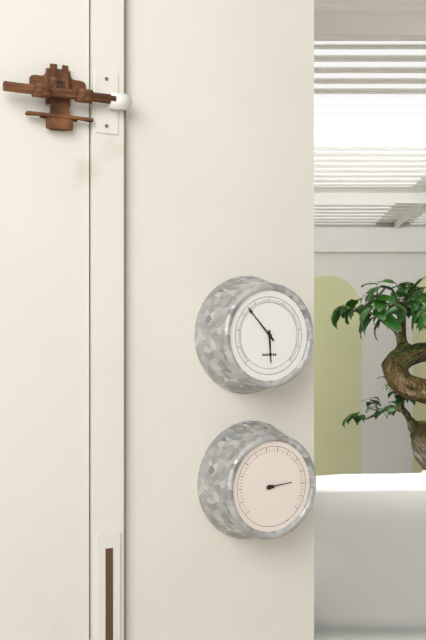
5:53
